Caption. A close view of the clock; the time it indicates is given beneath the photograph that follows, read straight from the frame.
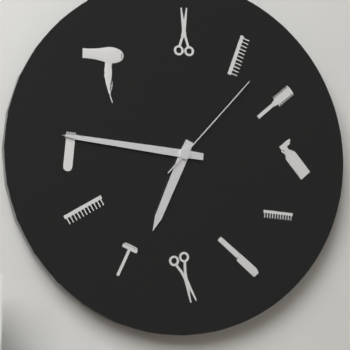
6:46:07
